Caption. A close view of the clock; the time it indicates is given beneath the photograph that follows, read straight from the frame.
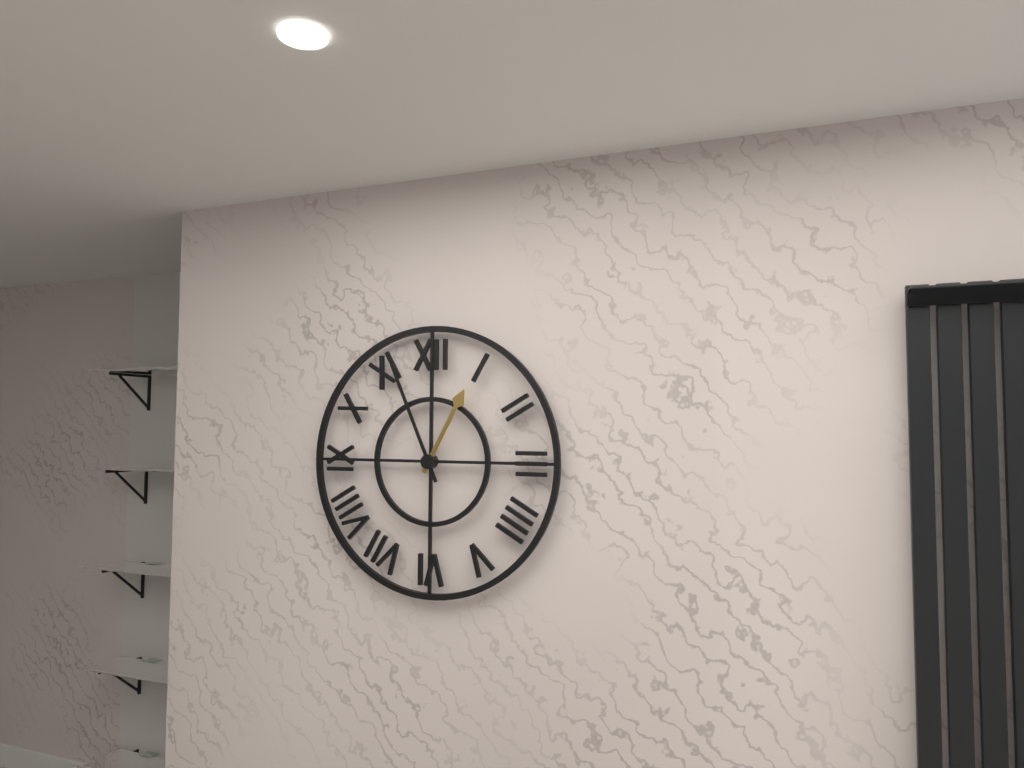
12:56
